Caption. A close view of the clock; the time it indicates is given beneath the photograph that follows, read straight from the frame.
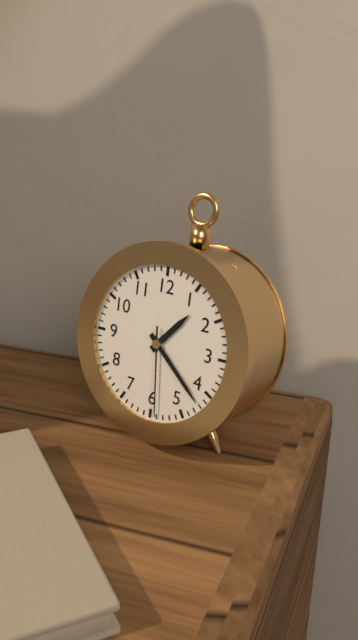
1:22:29
